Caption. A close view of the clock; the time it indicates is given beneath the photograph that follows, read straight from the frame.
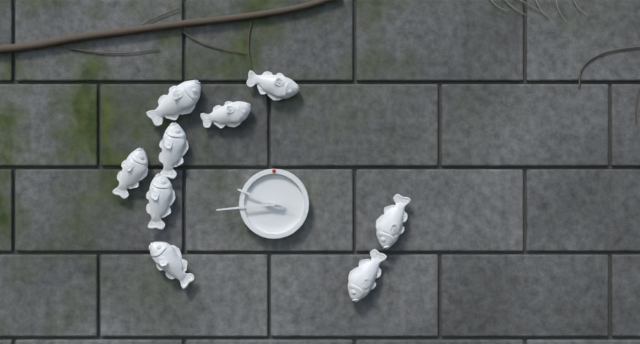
9:44
